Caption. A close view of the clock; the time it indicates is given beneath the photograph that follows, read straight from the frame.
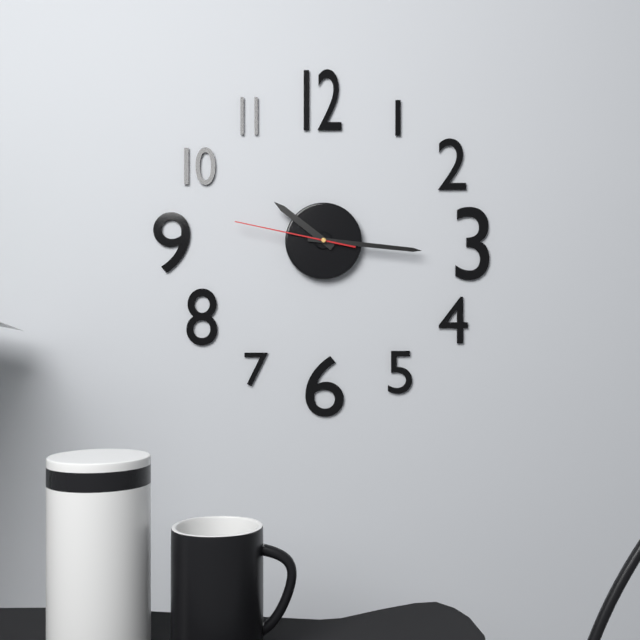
10:16:47
